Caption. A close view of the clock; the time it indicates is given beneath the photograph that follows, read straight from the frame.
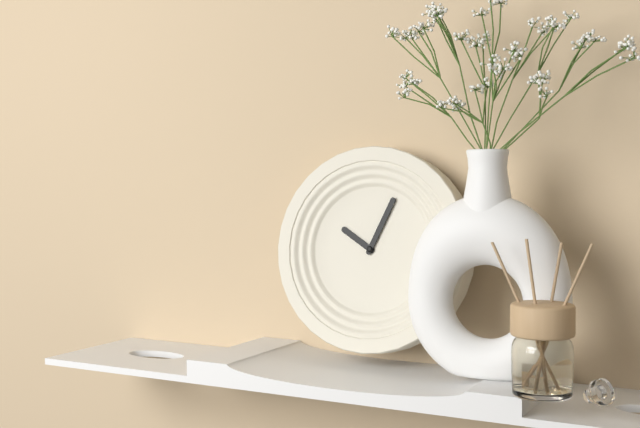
10:04
